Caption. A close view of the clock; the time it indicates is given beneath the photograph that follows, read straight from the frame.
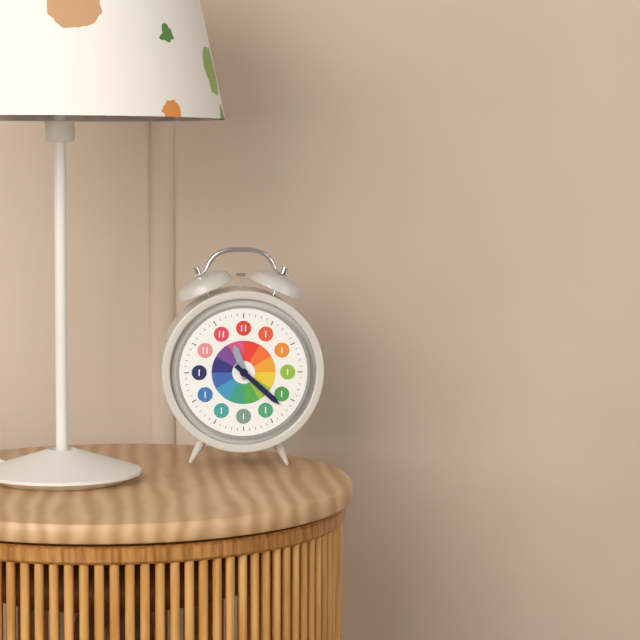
11:22
